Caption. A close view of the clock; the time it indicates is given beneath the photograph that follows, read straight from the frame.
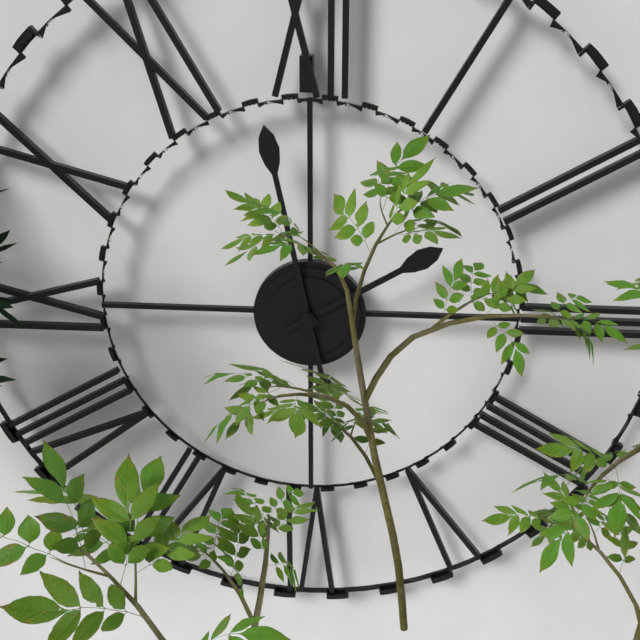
1:58
